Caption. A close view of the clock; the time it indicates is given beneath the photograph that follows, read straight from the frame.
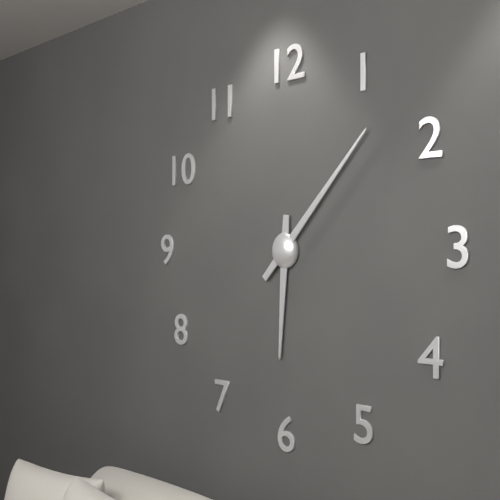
6:07
